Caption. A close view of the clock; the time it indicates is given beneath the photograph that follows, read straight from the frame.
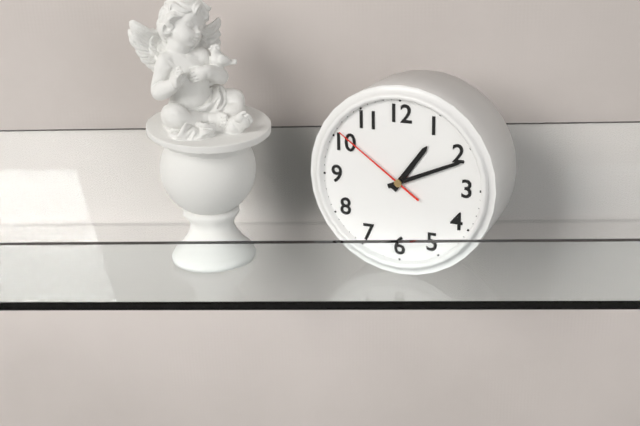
1:11:51
